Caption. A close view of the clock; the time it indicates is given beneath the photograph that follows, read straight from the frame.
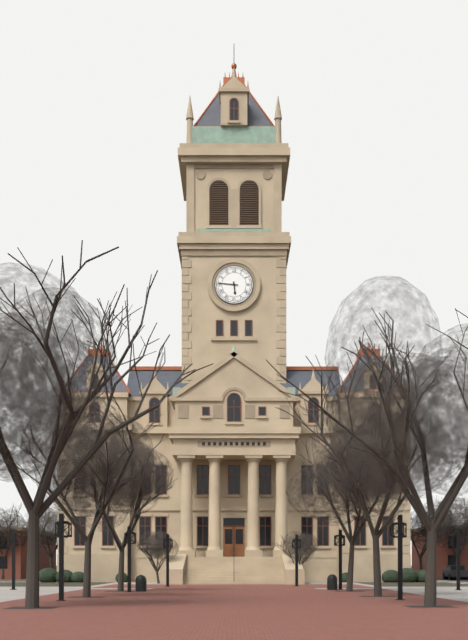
5:46
